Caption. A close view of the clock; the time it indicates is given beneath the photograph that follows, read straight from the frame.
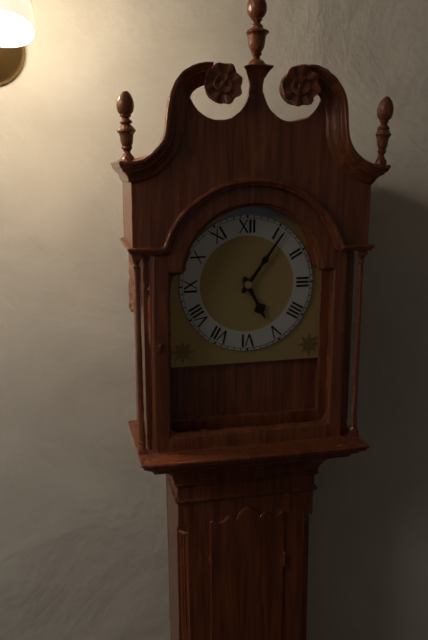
5:06
